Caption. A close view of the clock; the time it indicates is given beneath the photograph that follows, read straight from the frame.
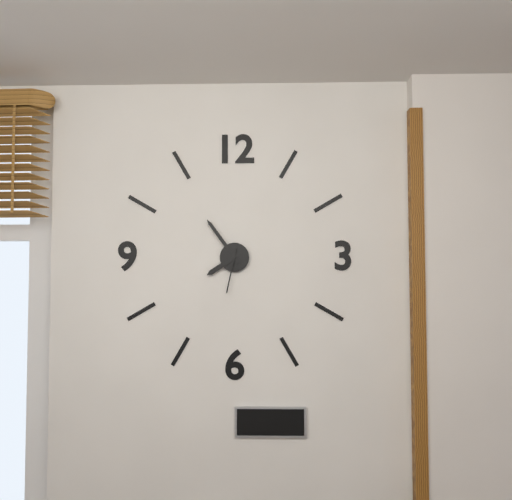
7:54
